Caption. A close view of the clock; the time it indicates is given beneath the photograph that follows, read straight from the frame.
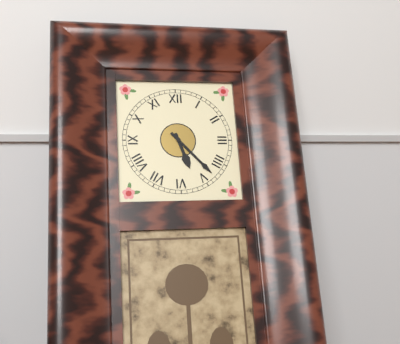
5:23
